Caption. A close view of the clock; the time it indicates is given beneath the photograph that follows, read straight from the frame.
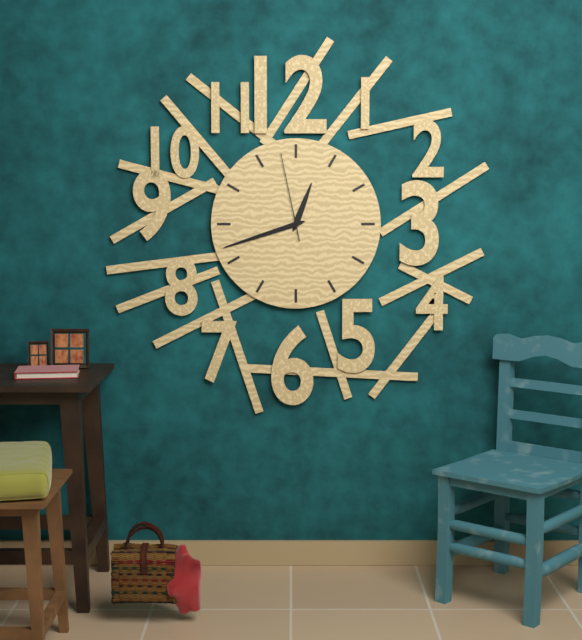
12:42:58
